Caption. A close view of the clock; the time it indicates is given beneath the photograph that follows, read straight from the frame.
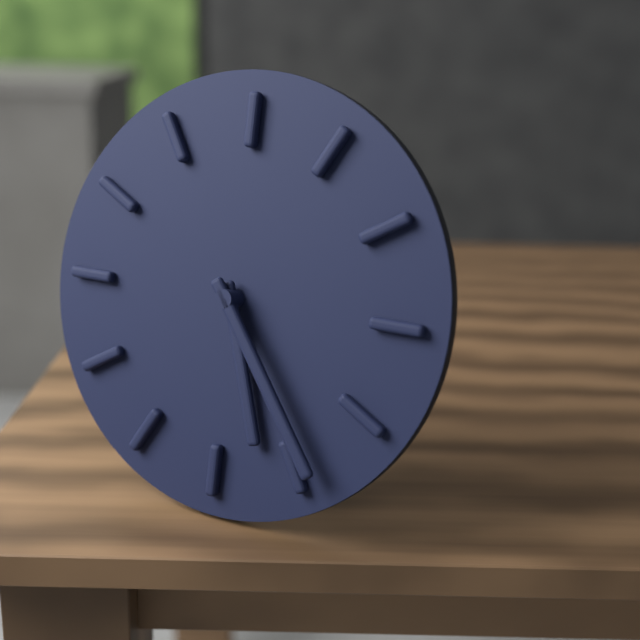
5:24
